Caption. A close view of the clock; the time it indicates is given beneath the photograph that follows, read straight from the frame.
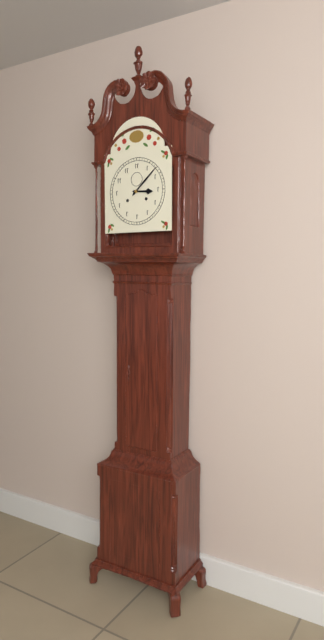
3:08
